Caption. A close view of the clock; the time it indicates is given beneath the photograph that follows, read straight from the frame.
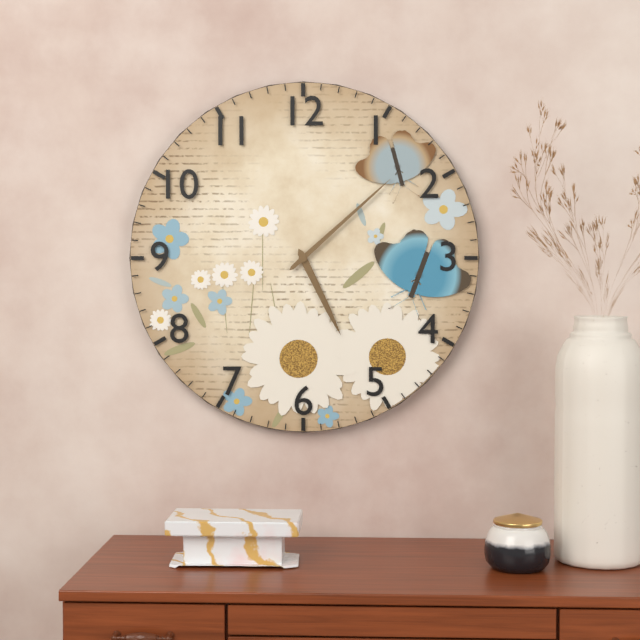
5:08
